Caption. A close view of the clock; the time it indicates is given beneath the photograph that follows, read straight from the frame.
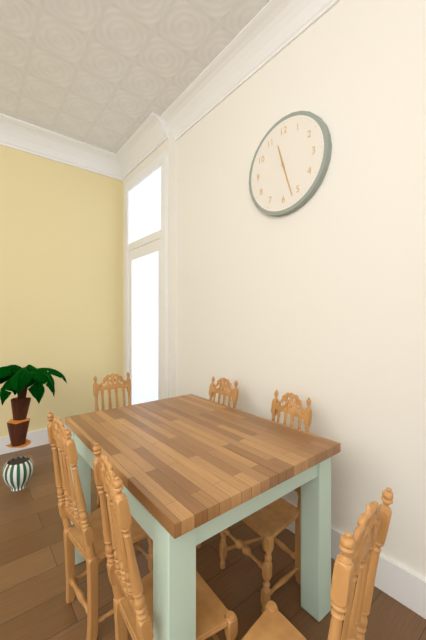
11:27
